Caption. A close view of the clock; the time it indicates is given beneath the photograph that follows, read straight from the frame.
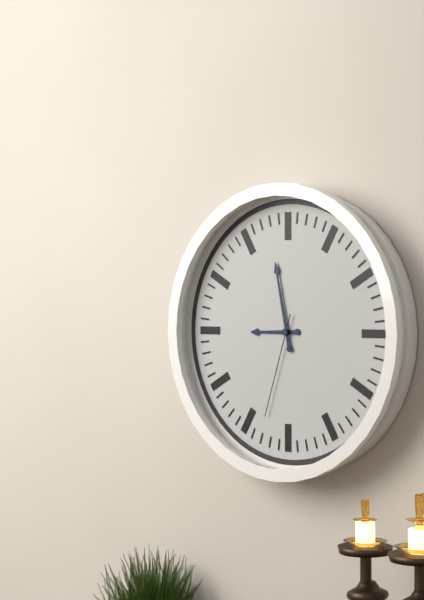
8:58:33
